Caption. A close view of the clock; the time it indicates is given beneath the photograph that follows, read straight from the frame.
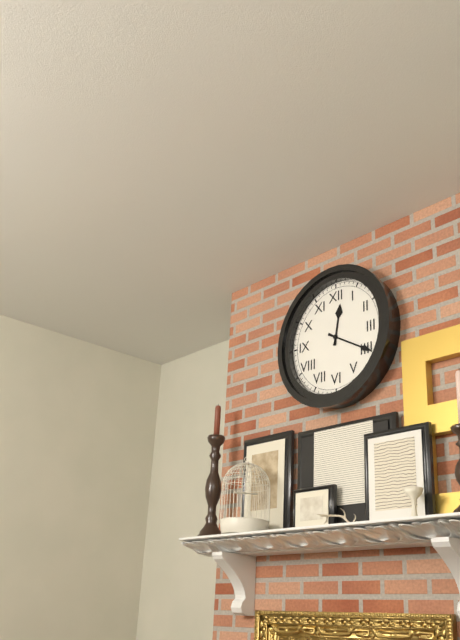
12:20
